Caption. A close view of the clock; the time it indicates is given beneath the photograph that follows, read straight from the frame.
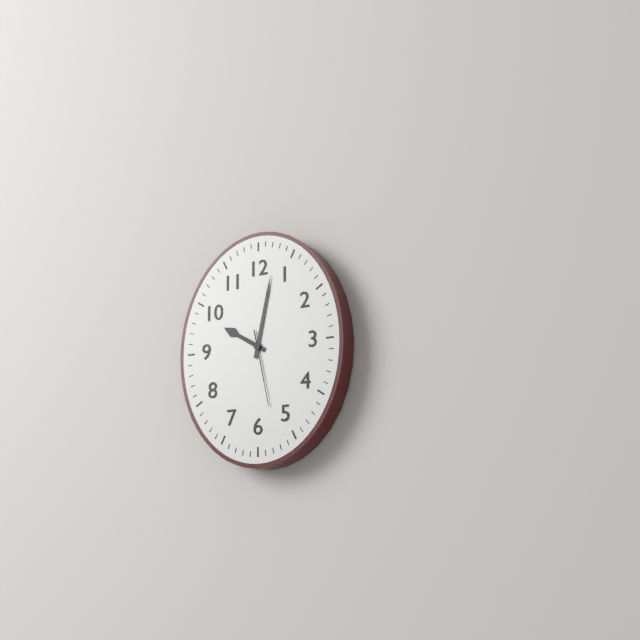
10:02:28
